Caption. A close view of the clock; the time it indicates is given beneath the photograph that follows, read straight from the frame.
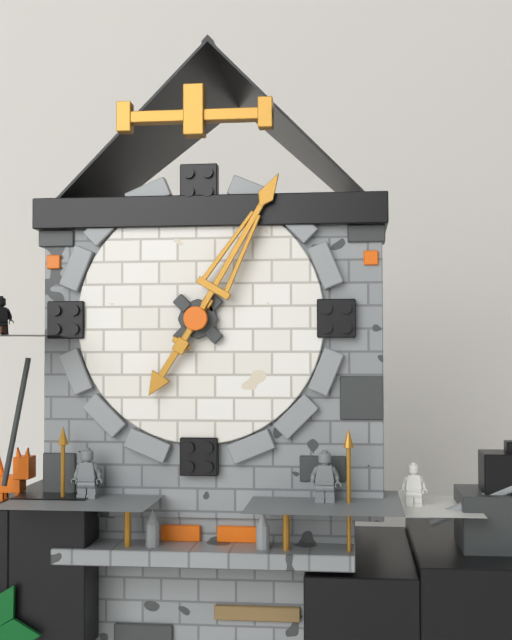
7:05
